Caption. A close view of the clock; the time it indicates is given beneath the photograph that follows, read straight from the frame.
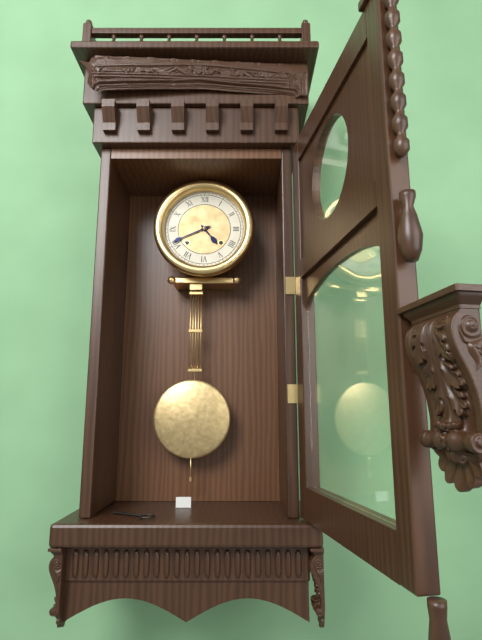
4:41
